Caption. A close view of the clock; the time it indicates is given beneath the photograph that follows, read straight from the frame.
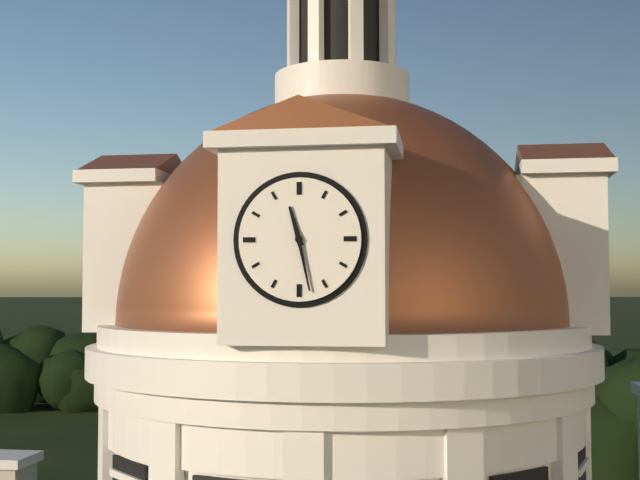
11:28
